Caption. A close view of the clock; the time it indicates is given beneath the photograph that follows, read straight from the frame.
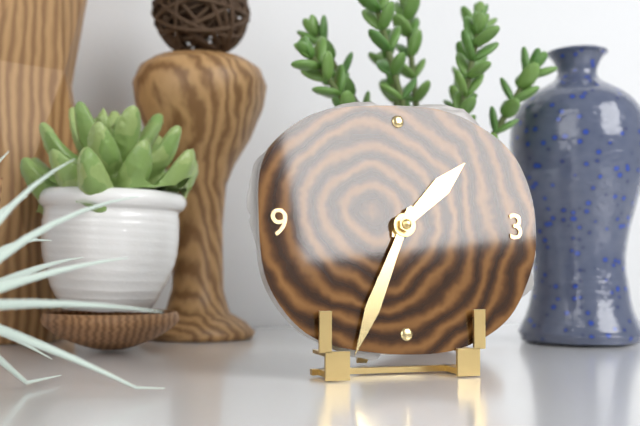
1:34
